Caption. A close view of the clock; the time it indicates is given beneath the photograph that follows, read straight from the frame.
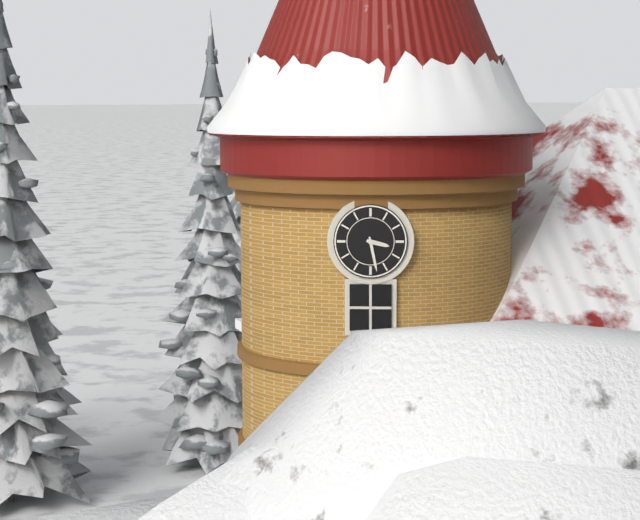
3:28
